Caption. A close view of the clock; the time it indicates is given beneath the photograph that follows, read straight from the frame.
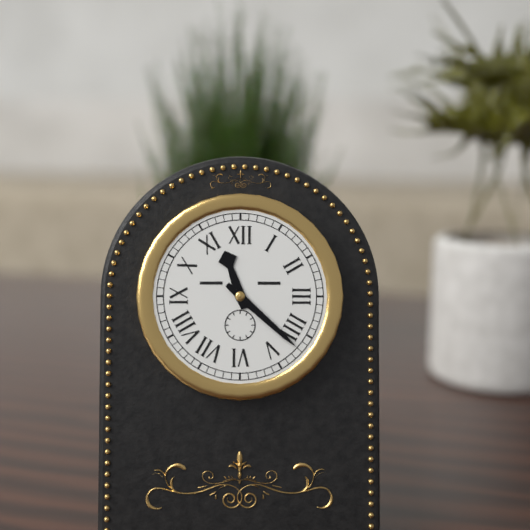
11:22
